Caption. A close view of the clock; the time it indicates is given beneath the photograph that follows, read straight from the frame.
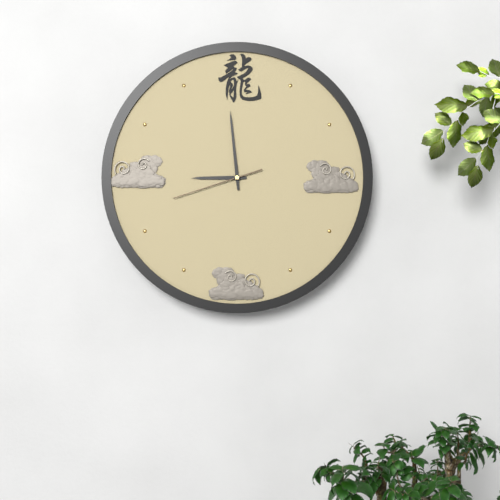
8:59:42
